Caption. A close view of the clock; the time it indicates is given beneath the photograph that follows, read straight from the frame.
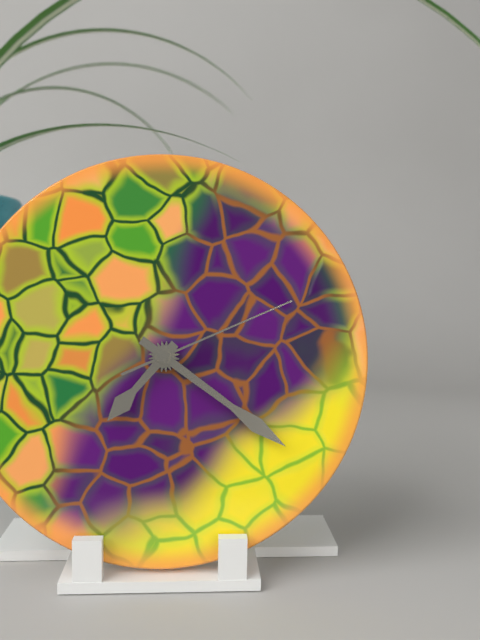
7:21:11
